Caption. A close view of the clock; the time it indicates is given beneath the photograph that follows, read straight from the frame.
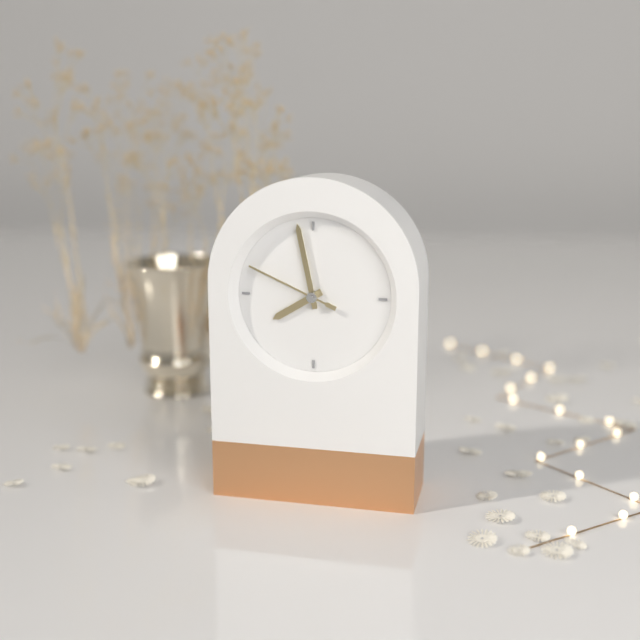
7:58:49
